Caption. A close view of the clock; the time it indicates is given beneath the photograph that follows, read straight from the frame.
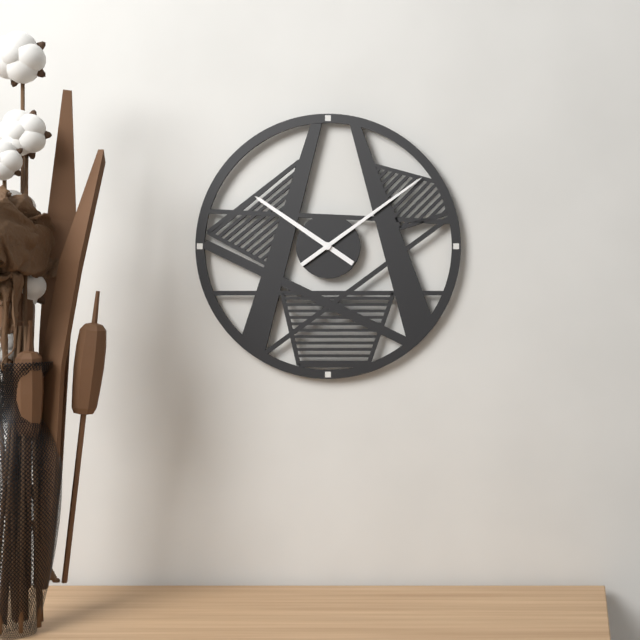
10:09
